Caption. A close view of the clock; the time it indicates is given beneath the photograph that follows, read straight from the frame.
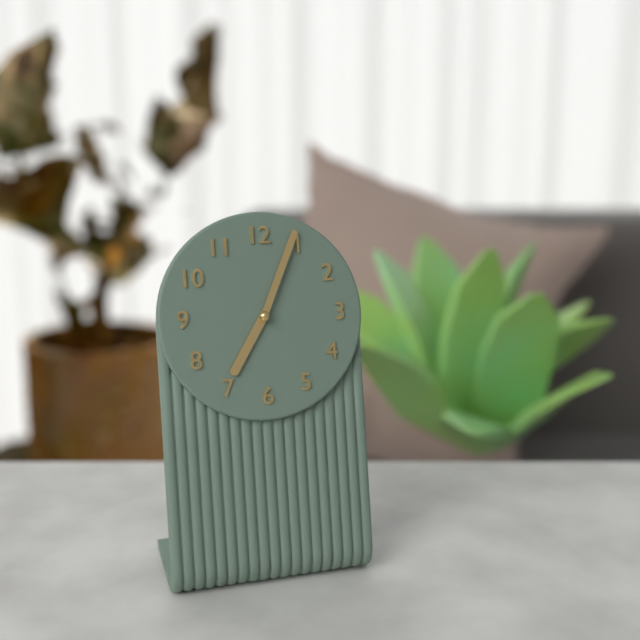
7:04
